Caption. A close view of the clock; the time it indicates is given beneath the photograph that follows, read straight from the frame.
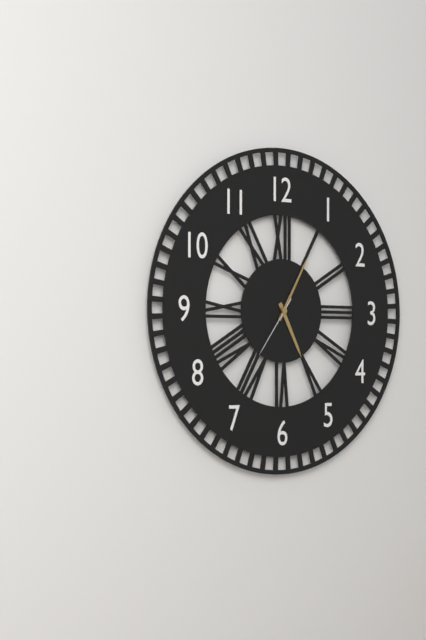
5:05:36
